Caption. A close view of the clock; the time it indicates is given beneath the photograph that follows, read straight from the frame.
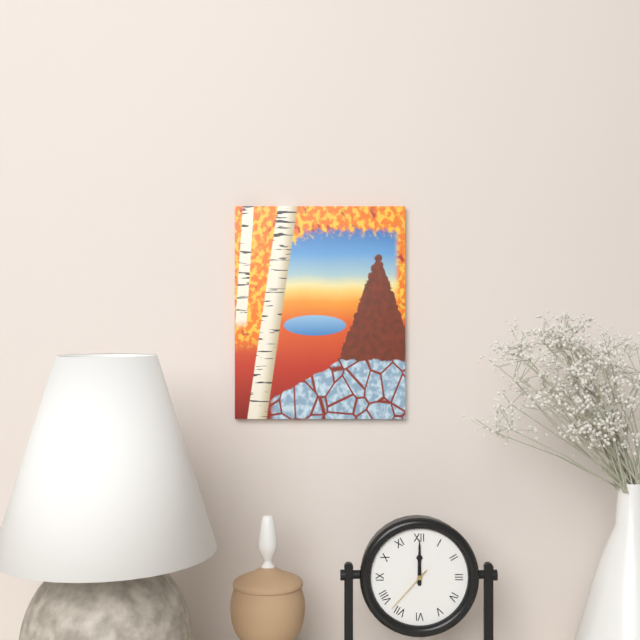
12:00:37
